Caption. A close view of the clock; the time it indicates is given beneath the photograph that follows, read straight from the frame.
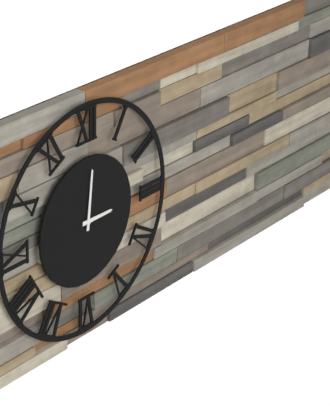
3:01
